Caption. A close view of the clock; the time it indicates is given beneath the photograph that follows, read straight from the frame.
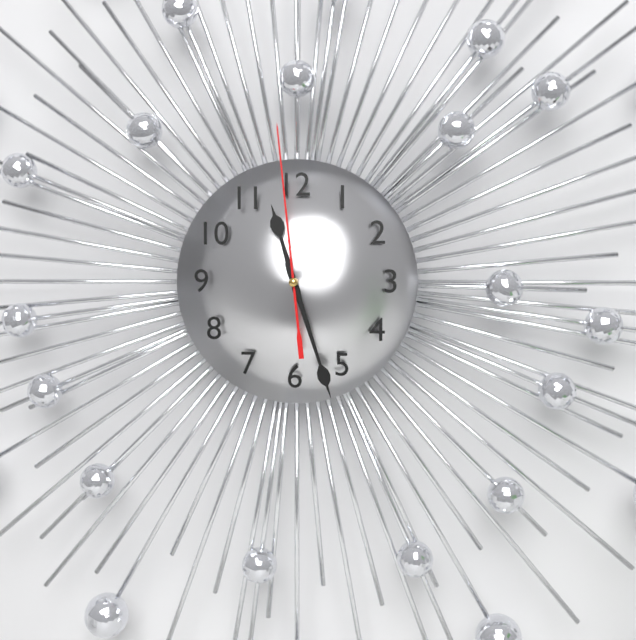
11:27:59
